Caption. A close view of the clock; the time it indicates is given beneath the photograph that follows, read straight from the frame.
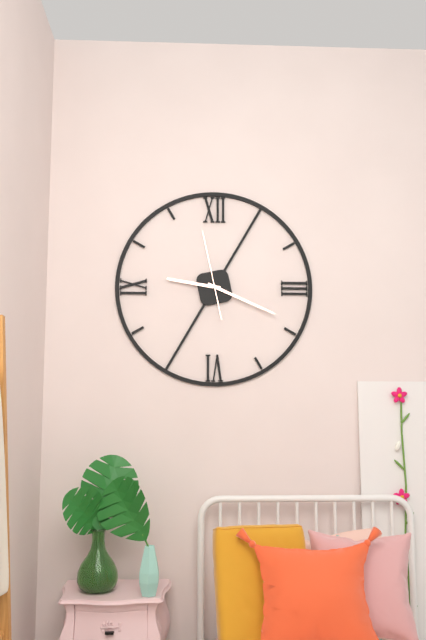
9:19:58
